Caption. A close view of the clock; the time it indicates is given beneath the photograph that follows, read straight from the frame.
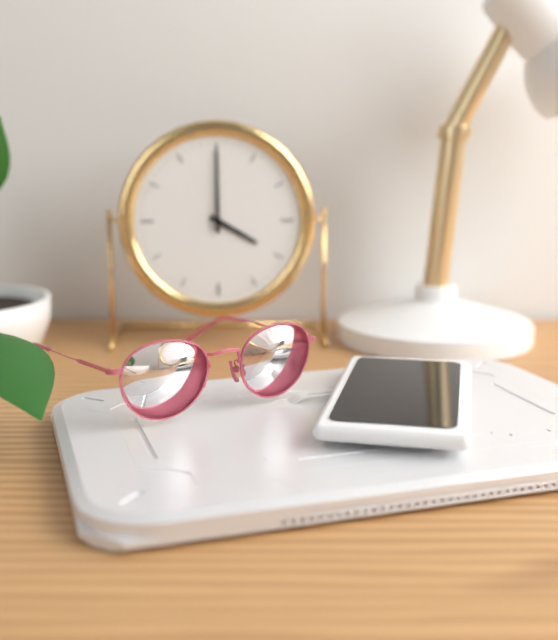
4:00
